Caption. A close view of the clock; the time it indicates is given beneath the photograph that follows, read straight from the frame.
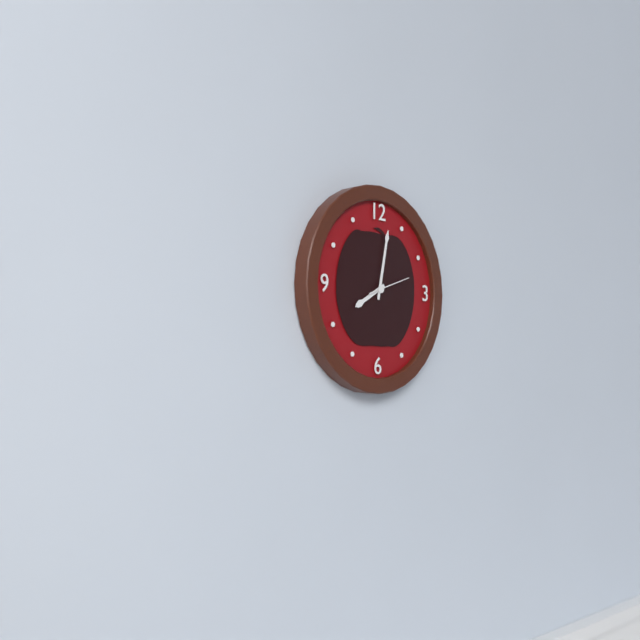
8:02
